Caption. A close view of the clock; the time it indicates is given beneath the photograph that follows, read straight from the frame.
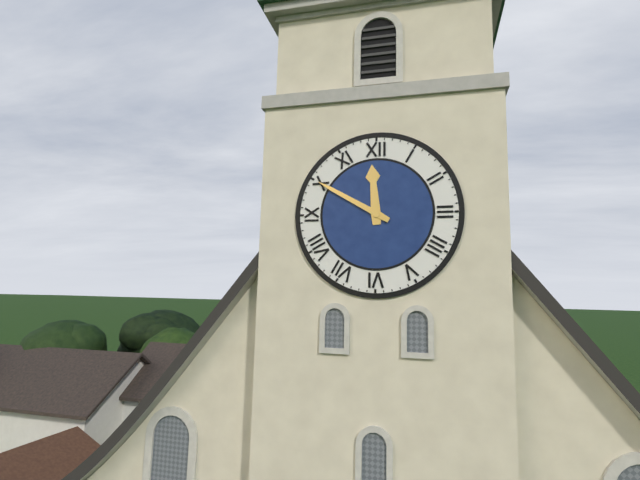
11:50
